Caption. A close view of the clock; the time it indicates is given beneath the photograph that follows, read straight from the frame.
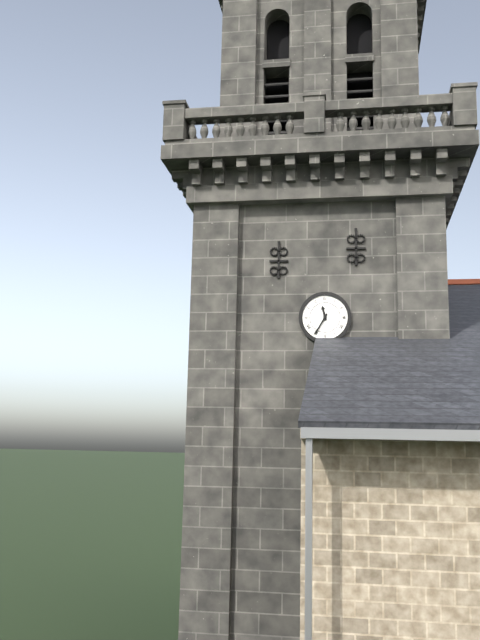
11:35
